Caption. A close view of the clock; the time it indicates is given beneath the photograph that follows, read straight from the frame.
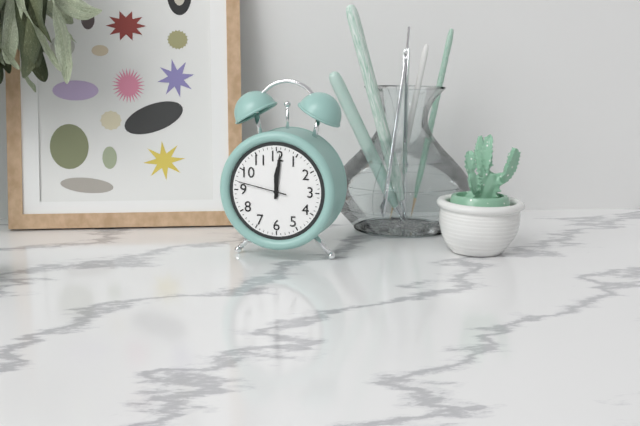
12:01
